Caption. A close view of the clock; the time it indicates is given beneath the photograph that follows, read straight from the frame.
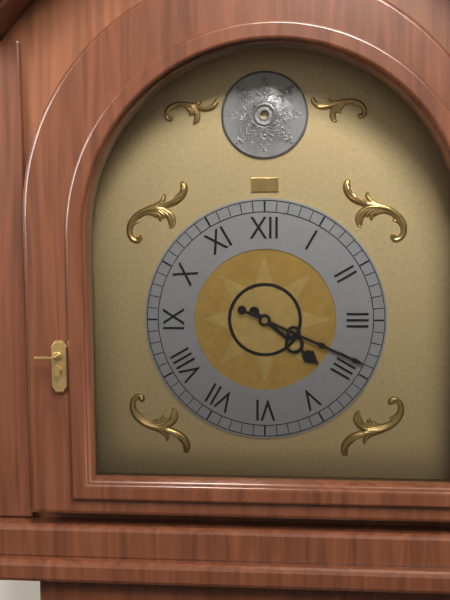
4:19
